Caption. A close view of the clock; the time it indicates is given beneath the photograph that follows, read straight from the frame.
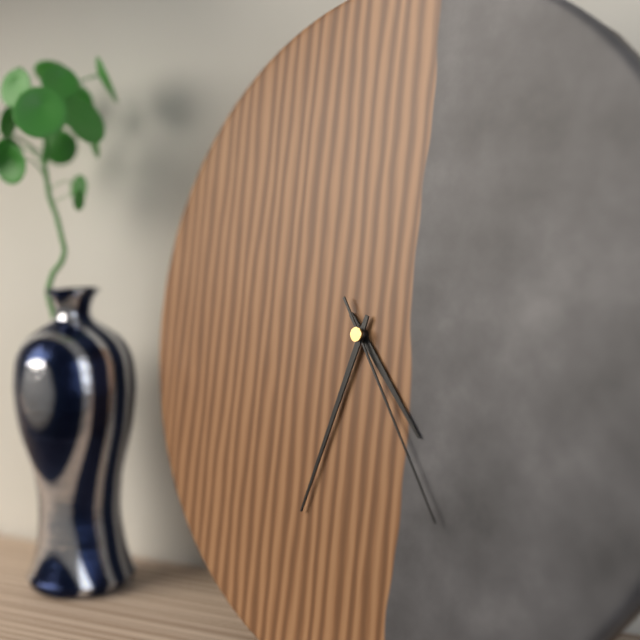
4:33:24
